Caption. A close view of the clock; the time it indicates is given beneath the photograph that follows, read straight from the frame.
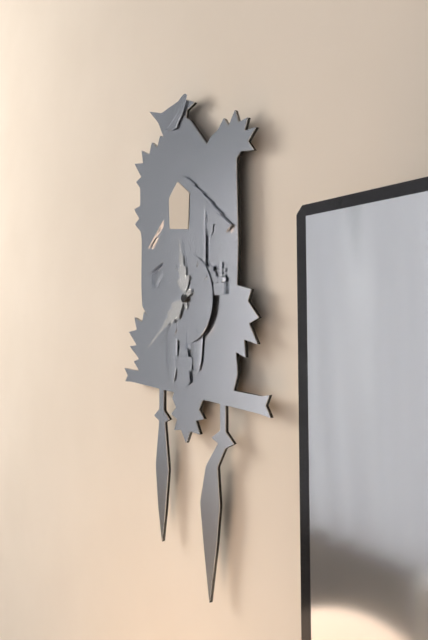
11:39
